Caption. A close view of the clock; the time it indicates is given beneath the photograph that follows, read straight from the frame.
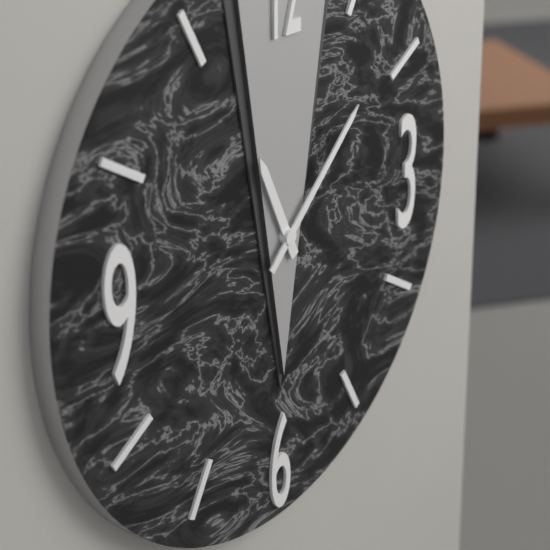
11:08
